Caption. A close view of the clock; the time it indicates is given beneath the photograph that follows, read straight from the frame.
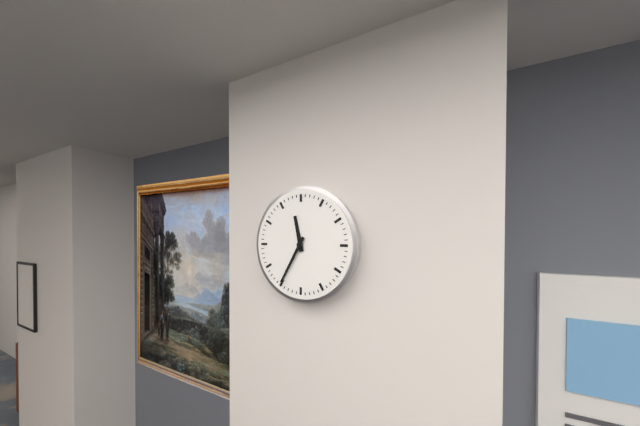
11:35
